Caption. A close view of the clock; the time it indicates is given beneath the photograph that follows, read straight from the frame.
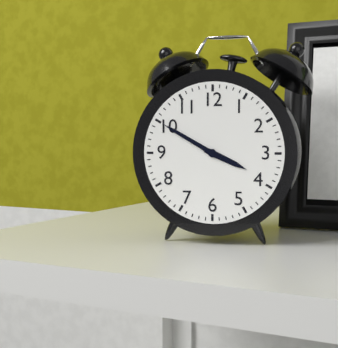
3:50
